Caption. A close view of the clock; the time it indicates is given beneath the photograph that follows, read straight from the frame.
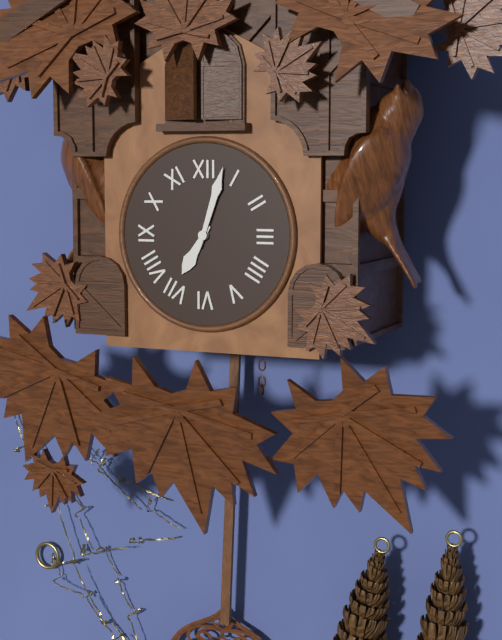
7:03
